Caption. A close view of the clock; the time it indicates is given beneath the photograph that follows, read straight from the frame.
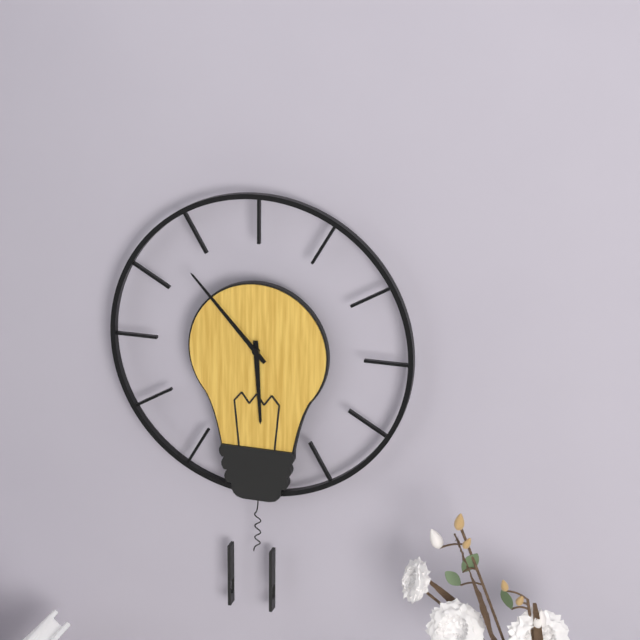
5:53
